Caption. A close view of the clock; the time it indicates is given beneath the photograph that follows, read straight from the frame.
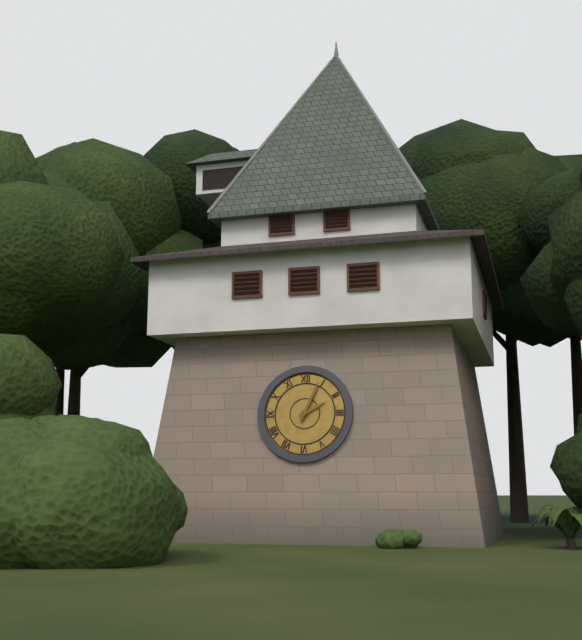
2:04
